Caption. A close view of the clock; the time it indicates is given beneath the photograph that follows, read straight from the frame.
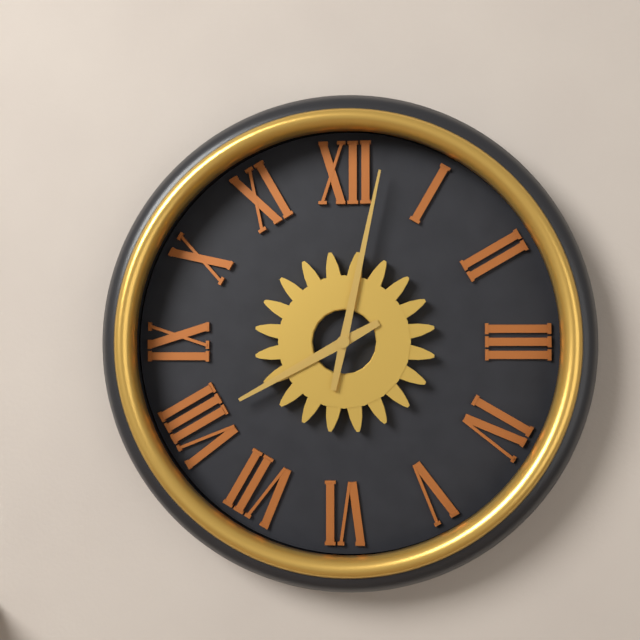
8:02
